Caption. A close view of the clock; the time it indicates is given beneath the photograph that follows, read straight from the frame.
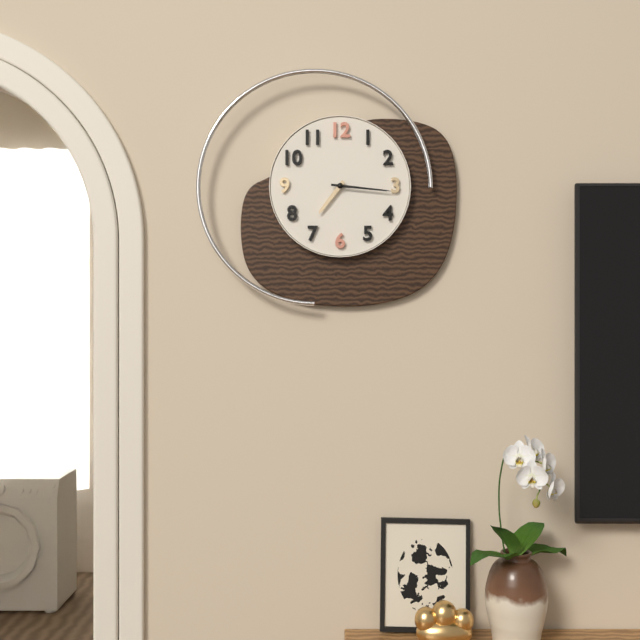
7:16
